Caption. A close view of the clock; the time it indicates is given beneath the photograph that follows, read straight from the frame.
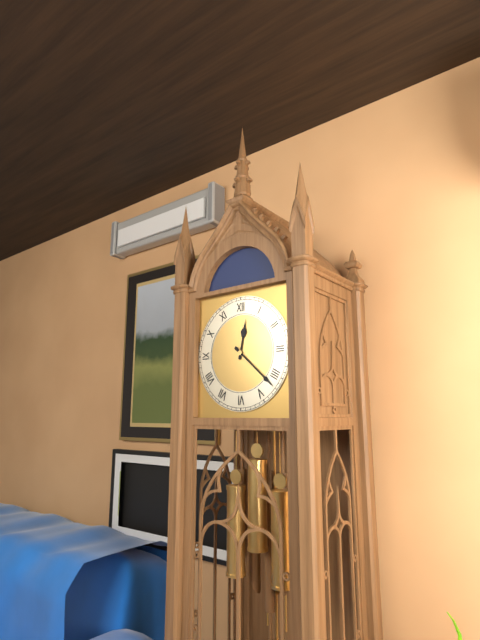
12:22
